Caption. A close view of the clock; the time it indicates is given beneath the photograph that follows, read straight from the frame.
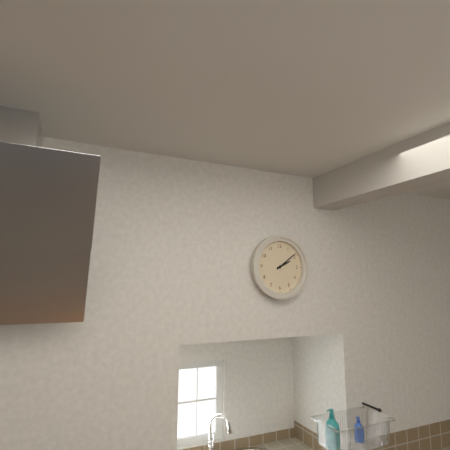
2:09
